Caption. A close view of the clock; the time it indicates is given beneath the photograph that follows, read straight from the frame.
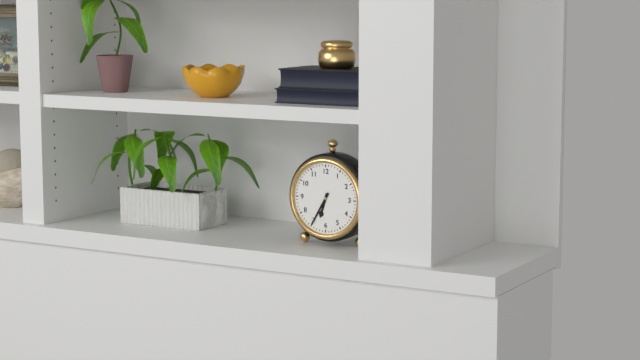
6:35
